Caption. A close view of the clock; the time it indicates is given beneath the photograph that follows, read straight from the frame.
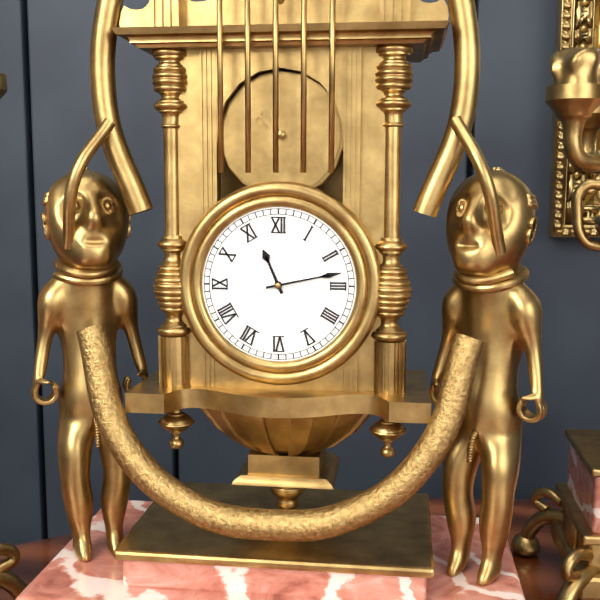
11:13
